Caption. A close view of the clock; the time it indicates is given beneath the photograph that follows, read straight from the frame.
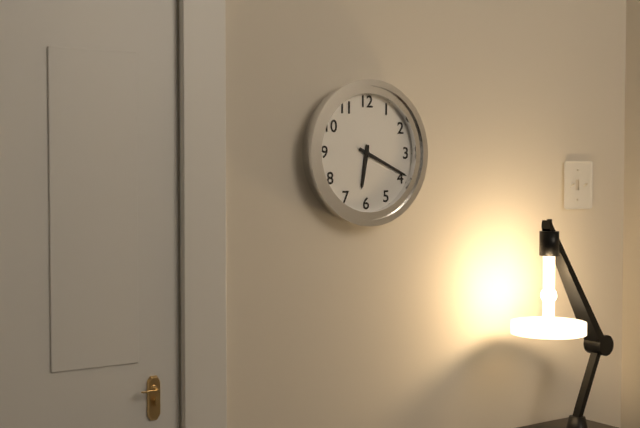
6:19
